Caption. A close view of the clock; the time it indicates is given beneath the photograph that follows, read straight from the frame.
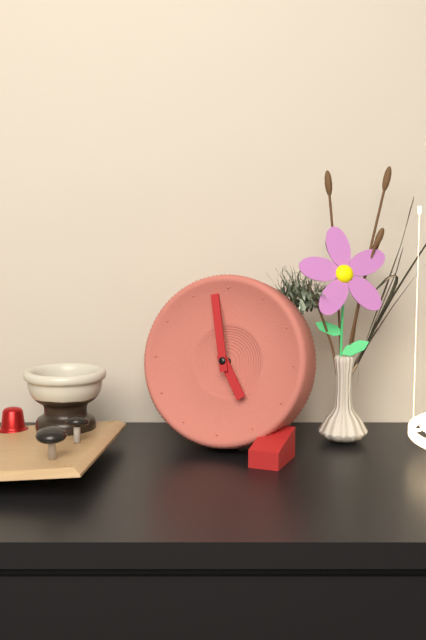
4:58
